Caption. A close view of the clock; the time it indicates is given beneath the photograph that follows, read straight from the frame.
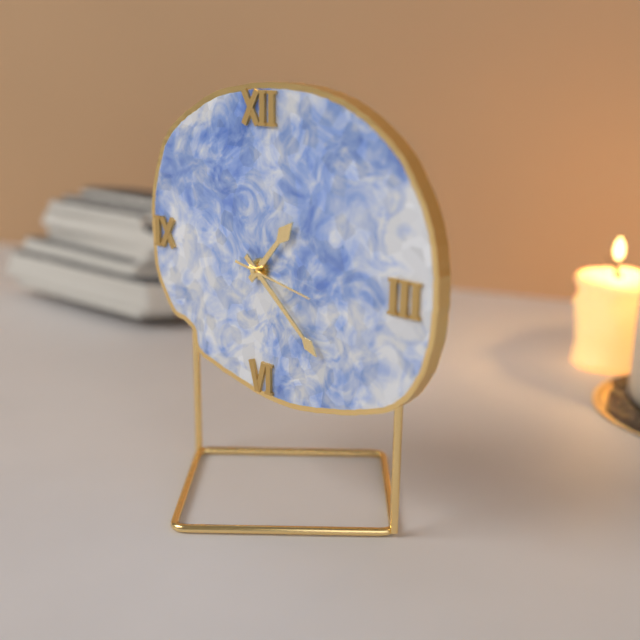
1:22:17
